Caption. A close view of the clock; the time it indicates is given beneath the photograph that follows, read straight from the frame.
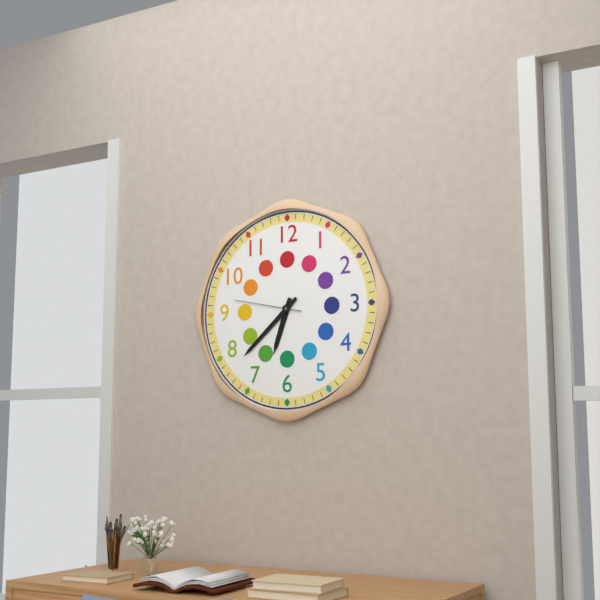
6:38:47
